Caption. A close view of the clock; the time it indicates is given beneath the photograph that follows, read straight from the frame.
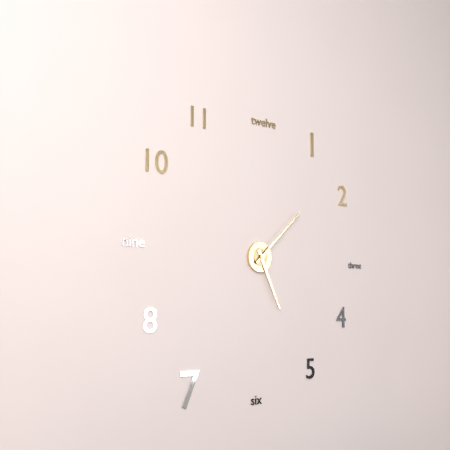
5:08
